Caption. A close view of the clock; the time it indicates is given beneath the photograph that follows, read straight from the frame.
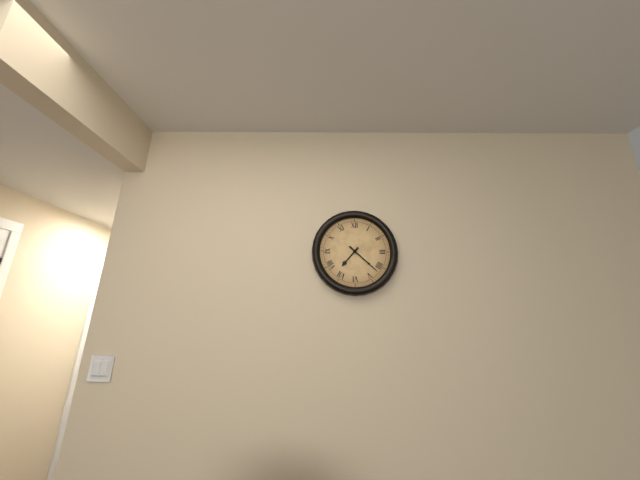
7:22
